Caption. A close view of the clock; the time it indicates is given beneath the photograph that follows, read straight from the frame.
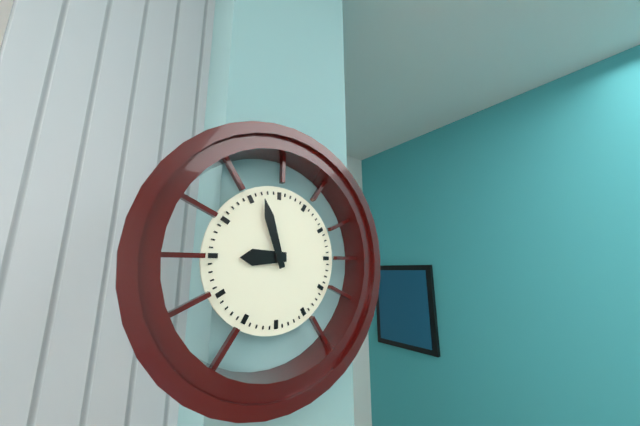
8:57
